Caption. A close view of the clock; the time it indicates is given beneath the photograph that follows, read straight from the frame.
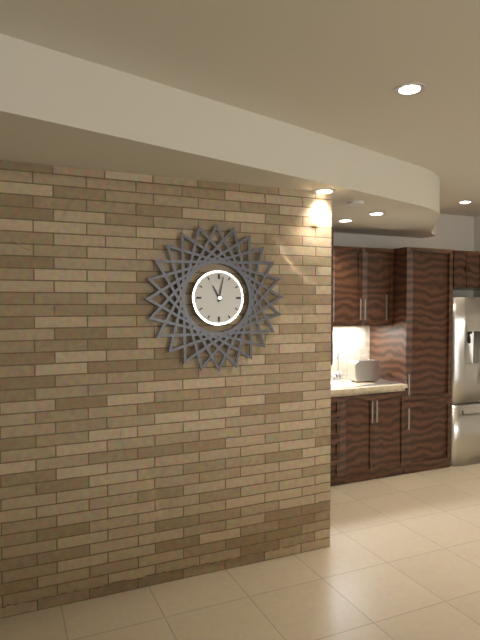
11:02
